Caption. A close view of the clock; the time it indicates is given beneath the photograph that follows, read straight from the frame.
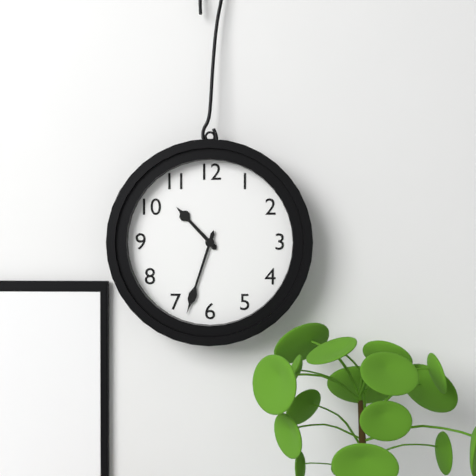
10:33
